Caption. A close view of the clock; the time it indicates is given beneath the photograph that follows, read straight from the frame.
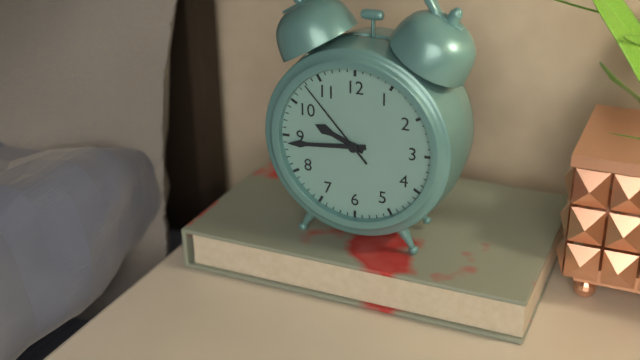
9:44:53
